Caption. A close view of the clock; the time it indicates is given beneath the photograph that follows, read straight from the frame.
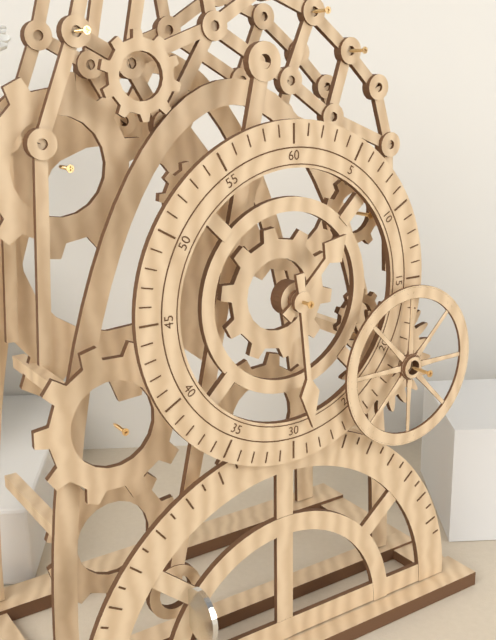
1:29
